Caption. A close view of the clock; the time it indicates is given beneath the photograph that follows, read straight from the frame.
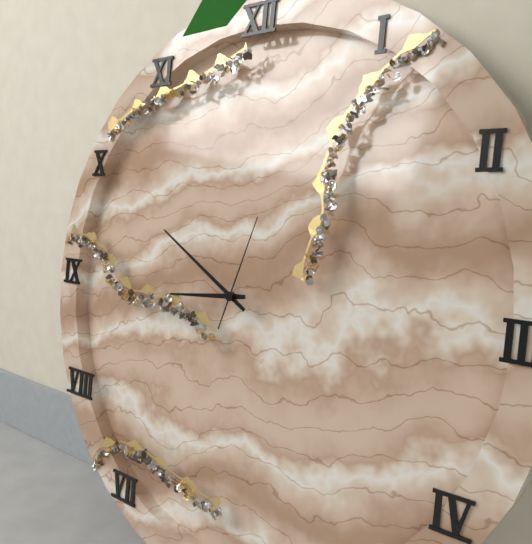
8:50:03
